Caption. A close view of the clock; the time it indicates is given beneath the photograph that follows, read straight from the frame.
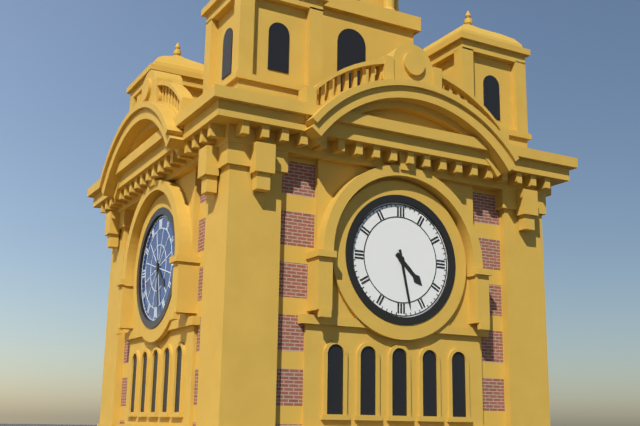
4:28
